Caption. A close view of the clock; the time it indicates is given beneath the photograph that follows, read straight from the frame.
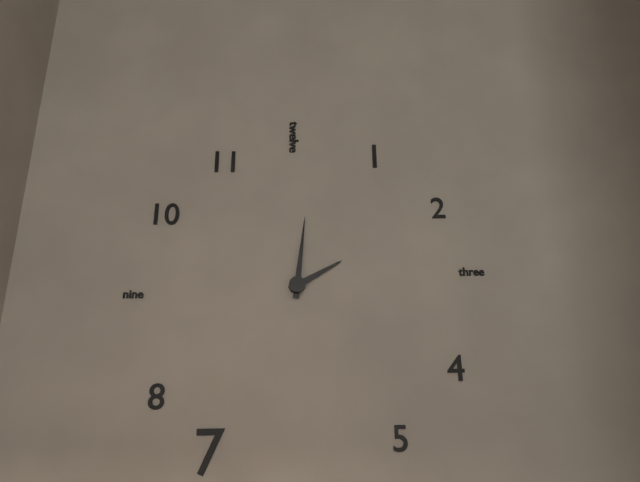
2:01
